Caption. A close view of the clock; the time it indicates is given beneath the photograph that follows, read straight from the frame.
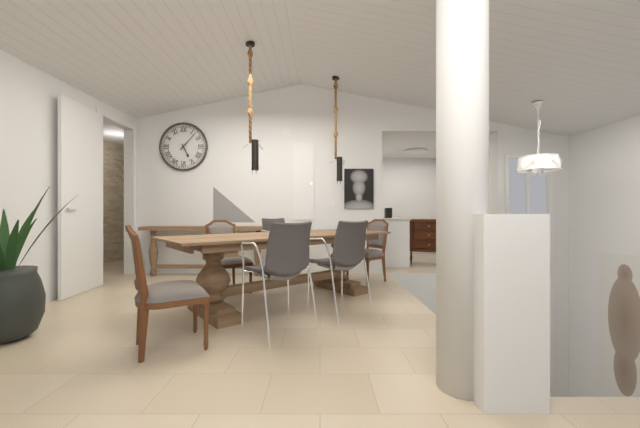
5:07
